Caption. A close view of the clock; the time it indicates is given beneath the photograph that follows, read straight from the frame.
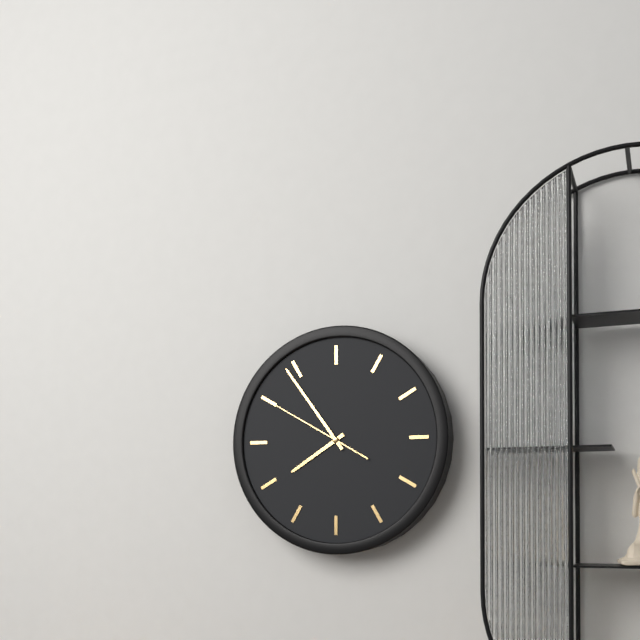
7:54:50
